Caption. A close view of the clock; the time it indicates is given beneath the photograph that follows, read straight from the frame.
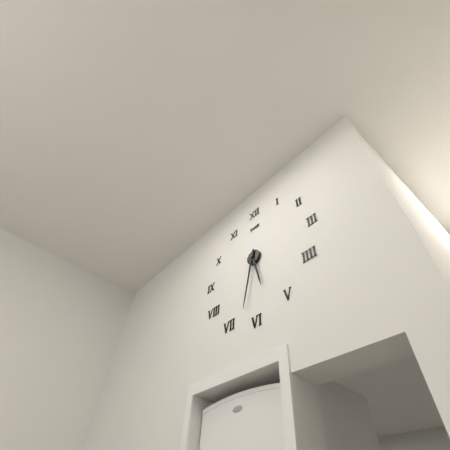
5:32
